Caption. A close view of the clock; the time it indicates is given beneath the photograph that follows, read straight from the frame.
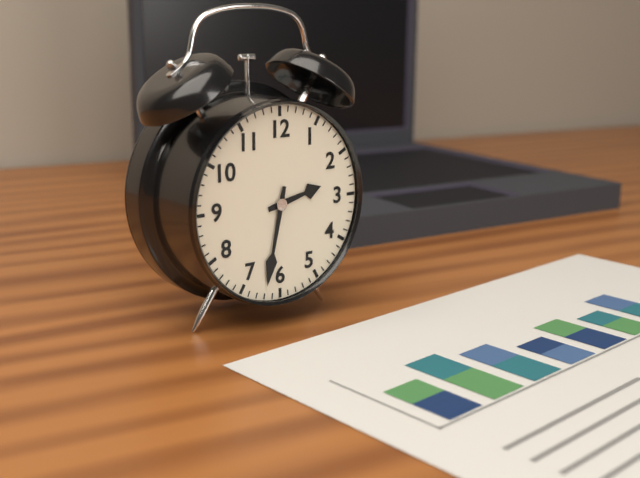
2:32
